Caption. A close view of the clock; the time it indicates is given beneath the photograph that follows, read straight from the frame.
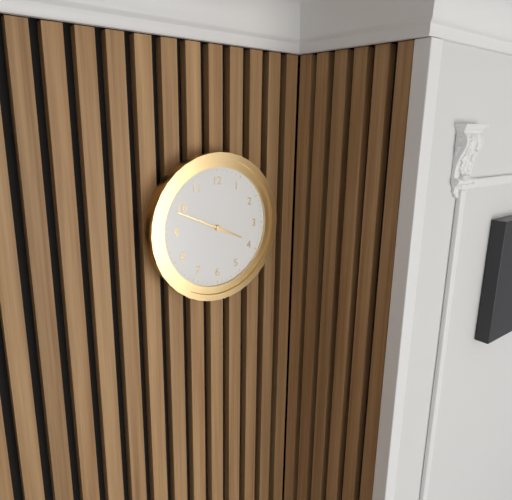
3:49
